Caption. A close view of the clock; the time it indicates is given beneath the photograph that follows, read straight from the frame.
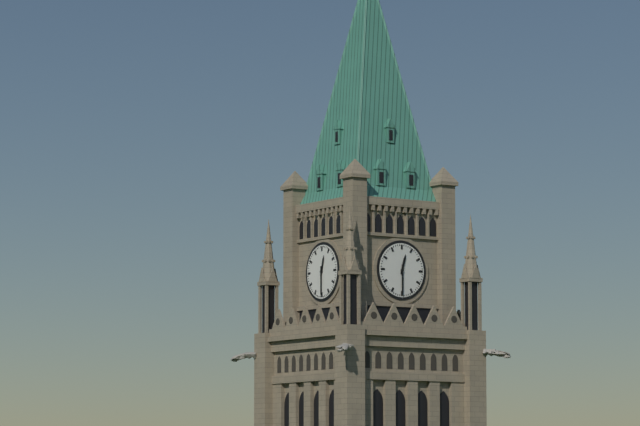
12:30
